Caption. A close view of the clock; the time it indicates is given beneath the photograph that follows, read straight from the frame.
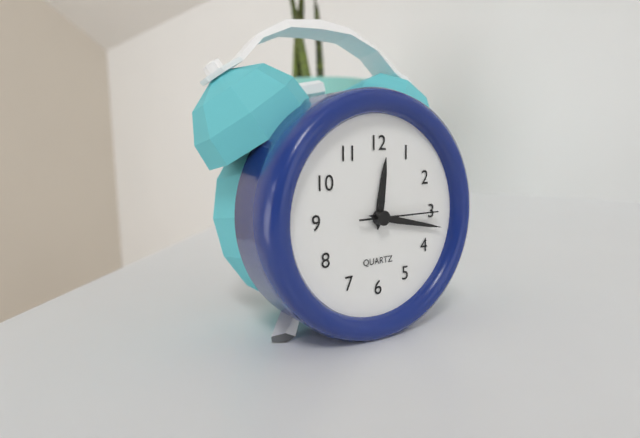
12:17:15
